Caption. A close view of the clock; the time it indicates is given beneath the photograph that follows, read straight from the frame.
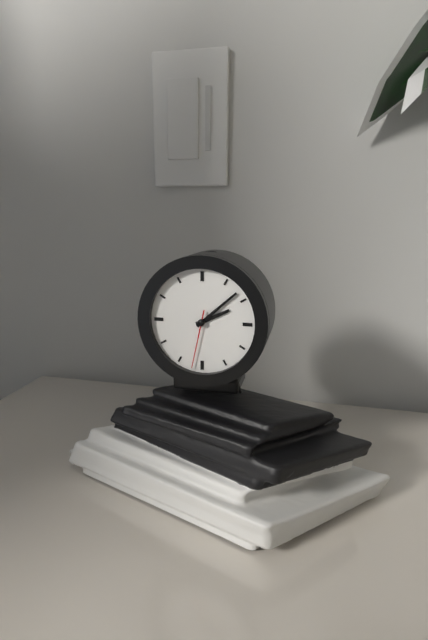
2:08:32
